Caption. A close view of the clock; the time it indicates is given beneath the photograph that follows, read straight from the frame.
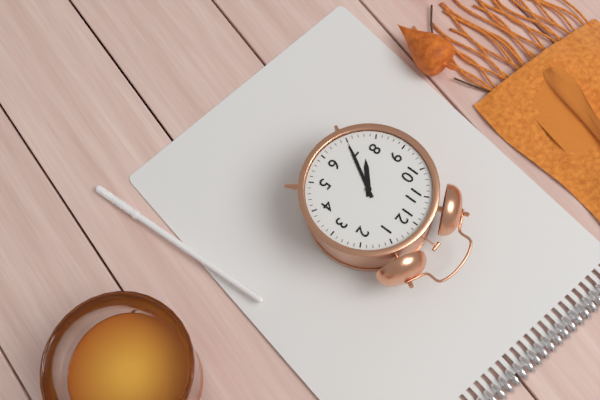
7:35
